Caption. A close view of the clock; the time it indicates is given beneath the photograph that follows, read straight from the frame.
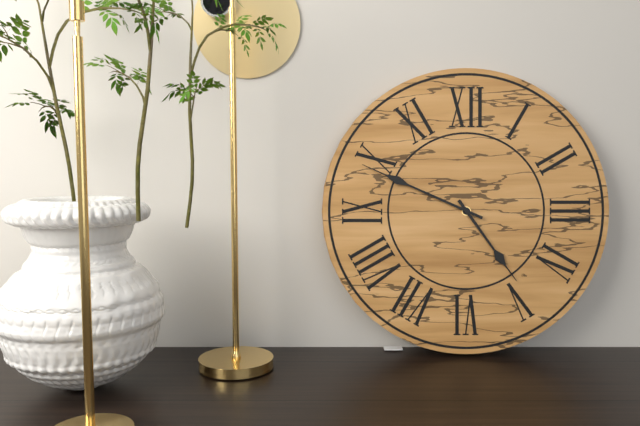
4:49
